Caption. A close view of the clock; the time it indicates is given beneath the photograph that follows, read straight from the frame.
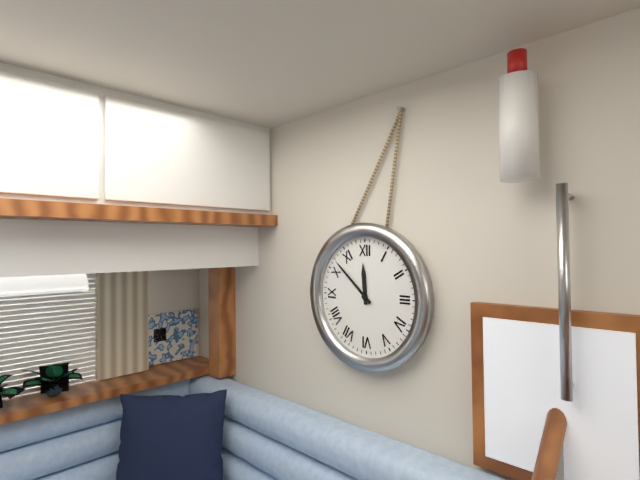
11:52
